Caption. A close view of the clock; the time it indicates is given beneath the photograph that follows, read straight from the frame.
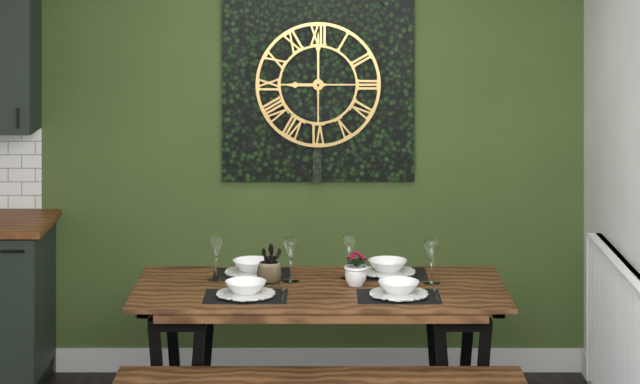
9:00
